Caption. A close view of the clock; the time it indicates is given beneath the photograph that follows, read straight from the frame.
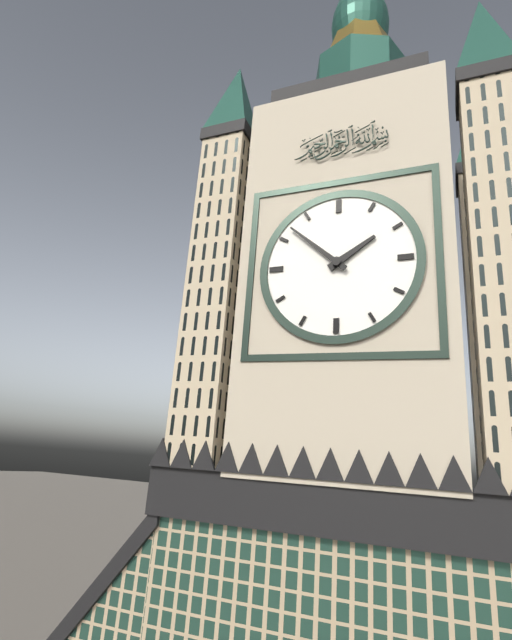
1:52
